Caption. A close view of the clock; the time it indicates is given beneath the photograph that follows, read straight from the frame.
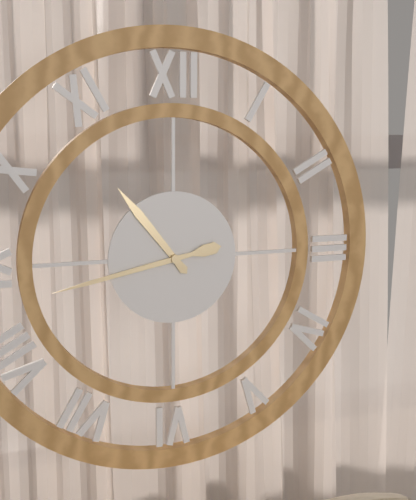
10:43
